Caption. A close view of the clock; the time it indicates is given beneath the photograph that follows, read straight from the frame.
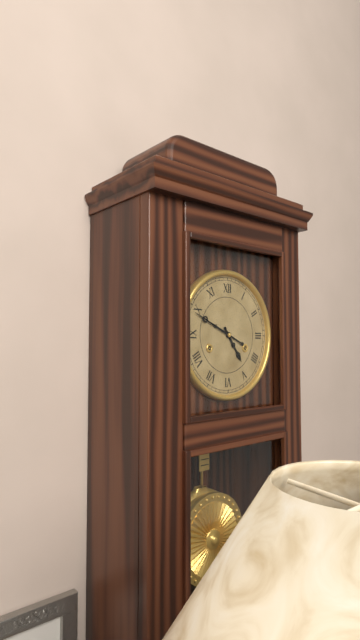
4:49
